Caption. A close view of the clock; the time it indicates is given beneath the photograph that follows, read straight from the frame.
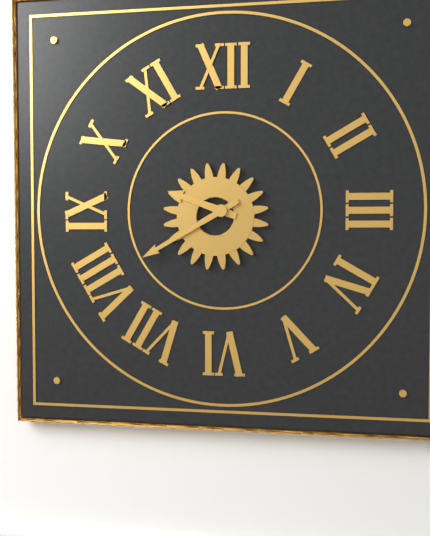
9:40
